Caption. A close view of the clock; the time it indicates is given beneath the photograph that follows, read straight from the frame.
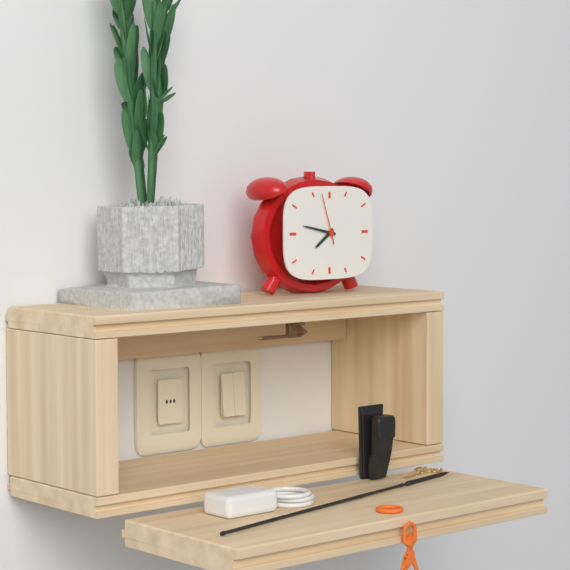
7:47:57
